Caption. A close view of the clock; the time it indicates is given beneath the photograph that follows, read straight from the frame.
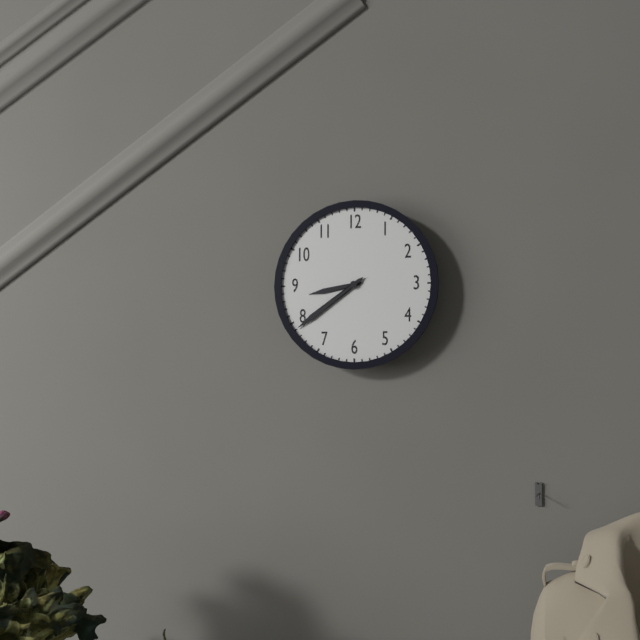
8:39
